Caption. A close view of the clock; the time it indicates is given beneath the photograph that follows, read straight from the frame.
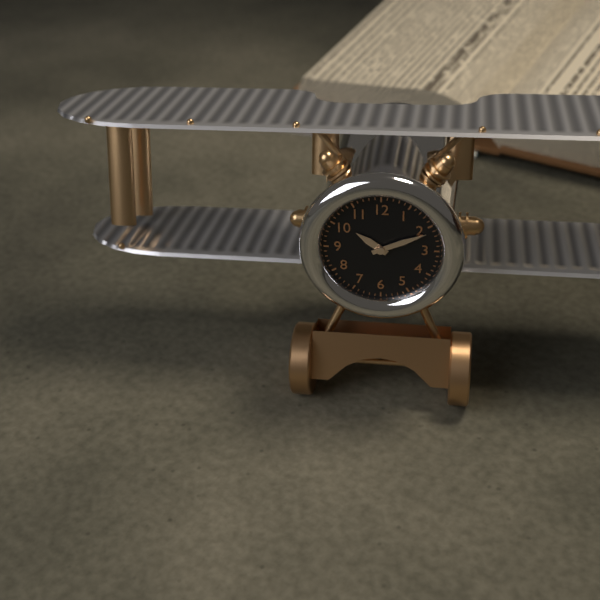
10:11
